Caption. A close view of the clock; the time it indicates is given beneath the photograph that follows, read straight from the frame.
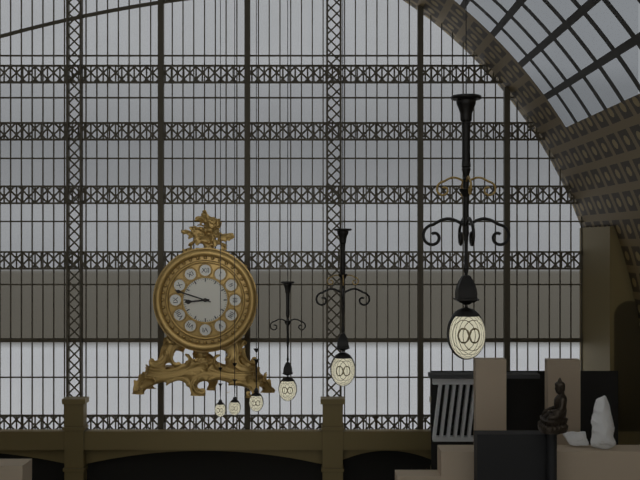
8:48
